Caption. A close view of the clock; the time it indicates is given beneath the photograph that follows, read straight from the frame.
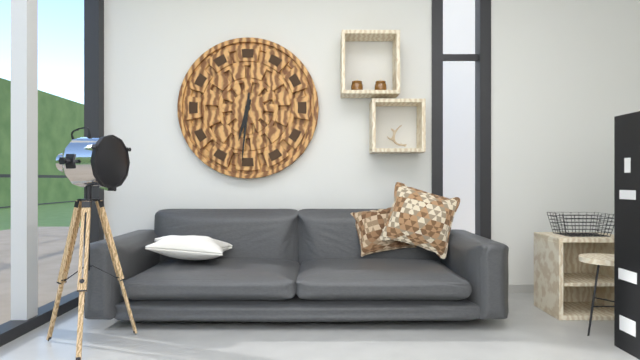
6:31
